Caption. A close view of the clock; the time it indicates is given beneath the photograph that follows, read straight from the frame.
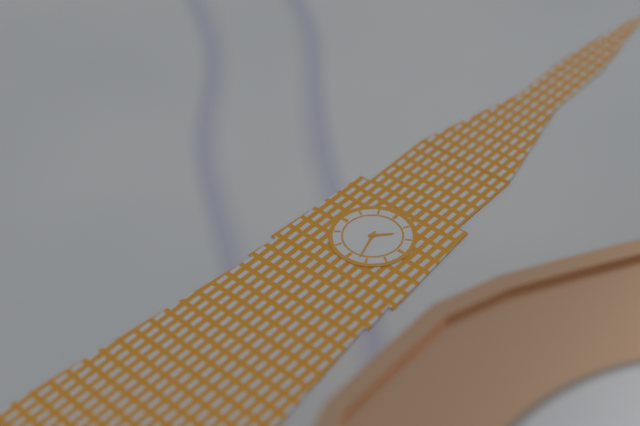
1:27
